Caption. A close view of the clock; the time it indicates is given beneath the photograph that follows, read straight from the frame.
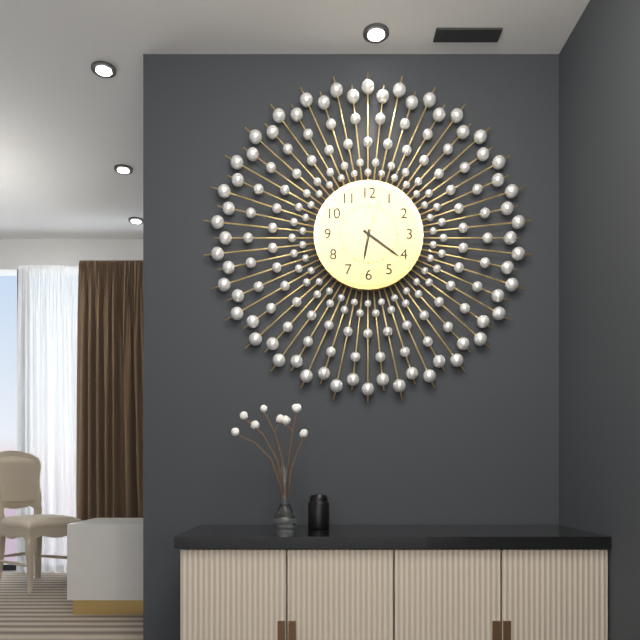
6:21:03
